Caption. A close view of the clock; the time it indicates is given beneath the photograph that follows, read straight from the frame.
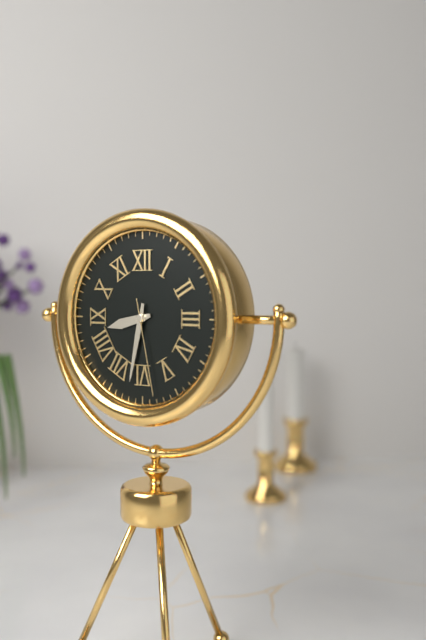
8:32:28
